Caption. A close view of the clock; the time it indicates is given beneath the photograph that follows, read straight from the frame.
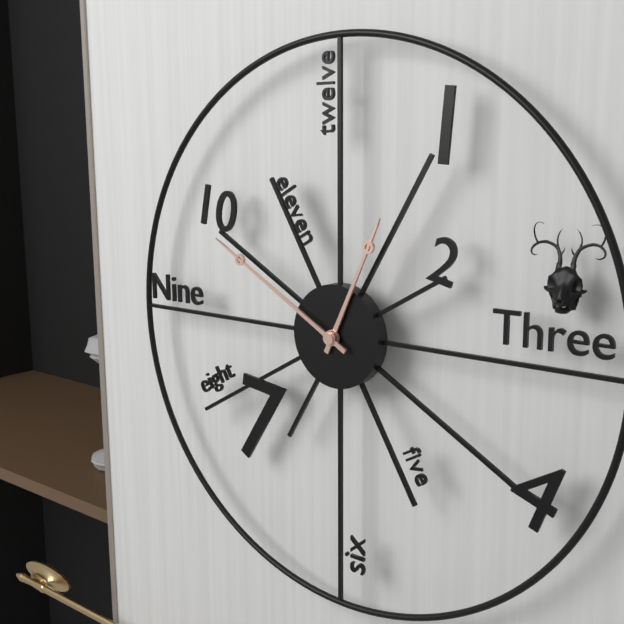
12:50
